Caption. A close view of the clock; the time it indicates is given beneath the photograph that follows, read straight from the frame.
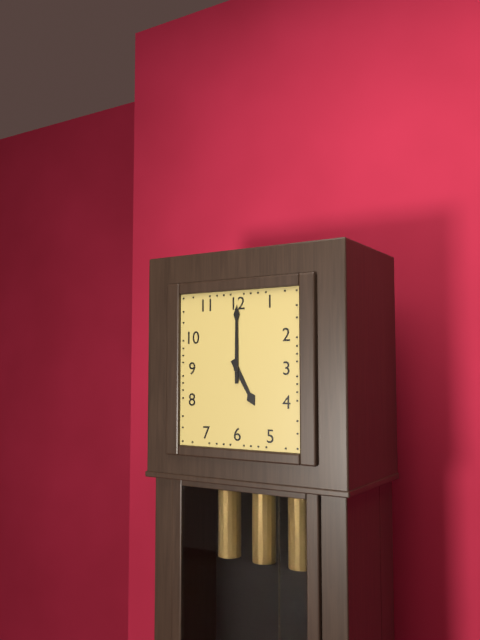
5:00
